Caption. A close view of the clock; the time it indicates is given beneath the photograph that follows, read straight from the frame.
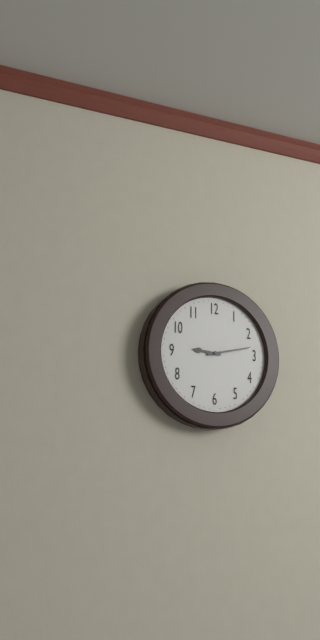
9:13
